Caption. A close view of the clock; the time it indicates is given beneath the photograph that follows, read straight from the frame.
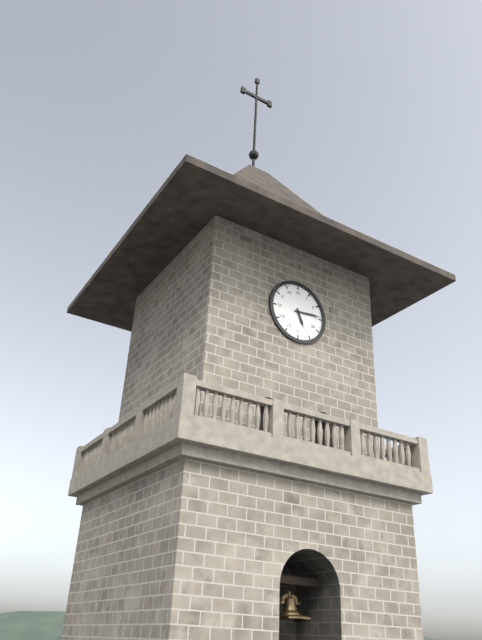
5:14
